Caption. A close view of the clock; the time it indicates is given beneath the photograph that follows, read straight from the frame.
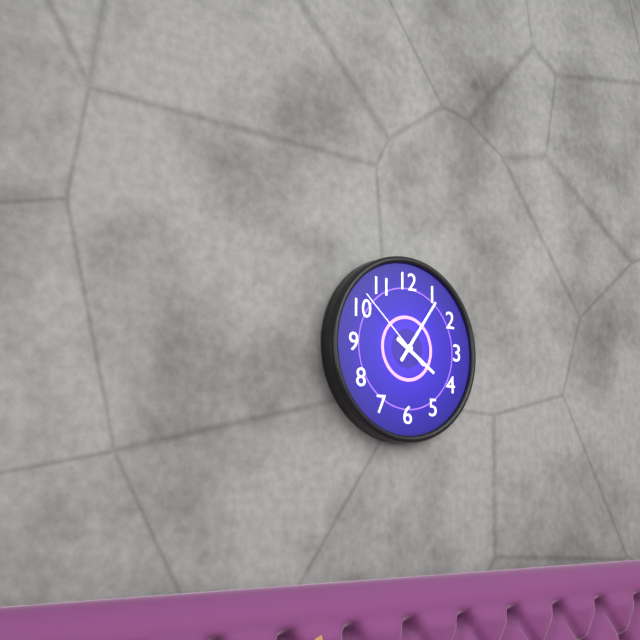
4:06:52
